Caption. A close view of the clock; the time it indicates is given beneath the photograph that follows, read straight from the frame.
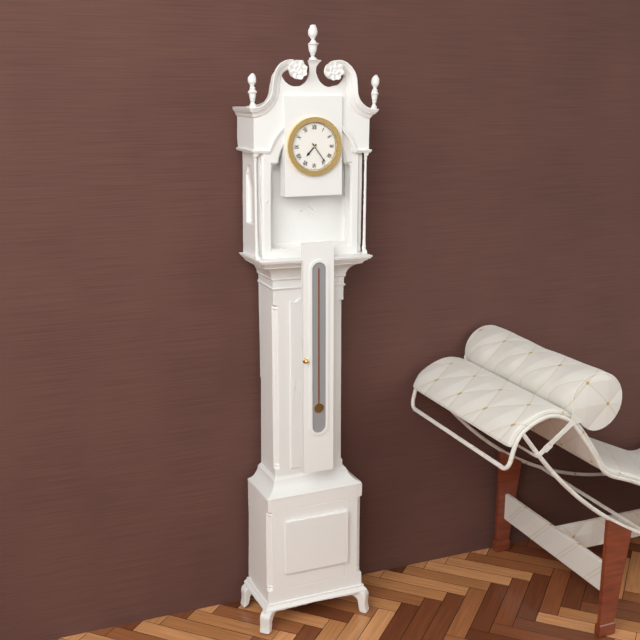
7:24
